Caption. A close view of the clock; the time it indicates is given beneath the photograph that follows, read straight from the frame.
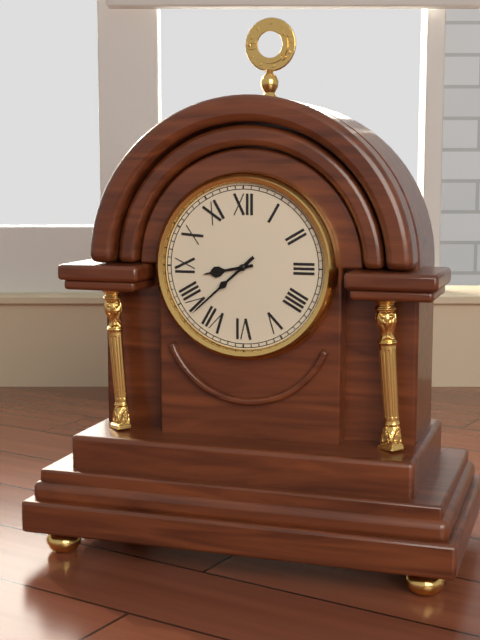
8:38
